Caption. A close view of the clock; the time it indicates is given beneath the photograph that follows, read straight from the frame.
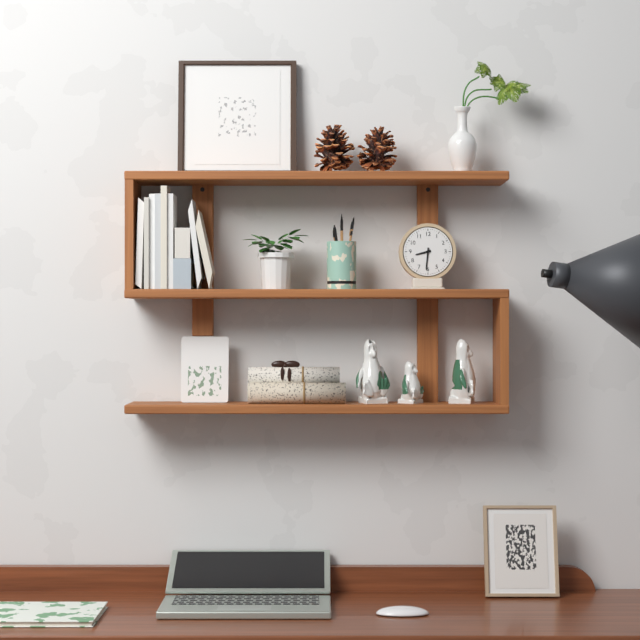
8:31
